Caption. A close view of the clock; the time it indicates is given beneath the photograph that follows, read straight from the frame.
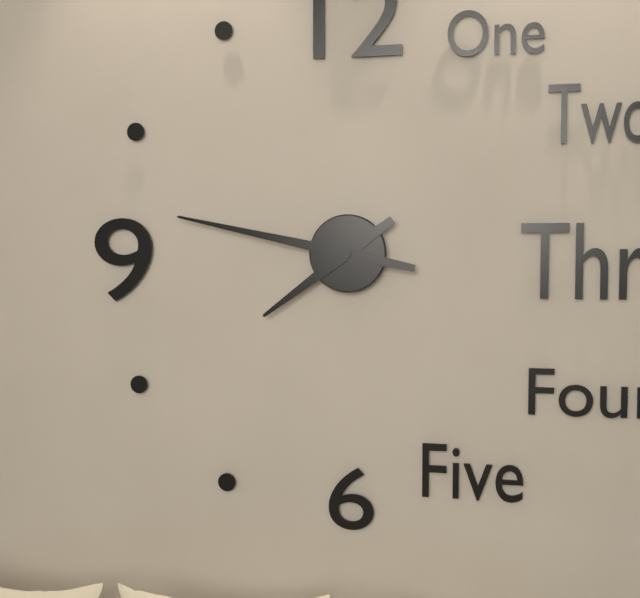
7:47
